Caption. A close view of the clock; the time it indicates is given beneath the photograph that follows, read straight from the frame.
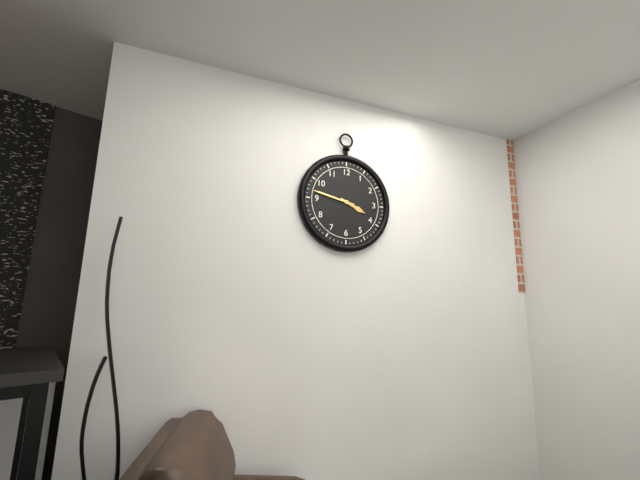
3:47
